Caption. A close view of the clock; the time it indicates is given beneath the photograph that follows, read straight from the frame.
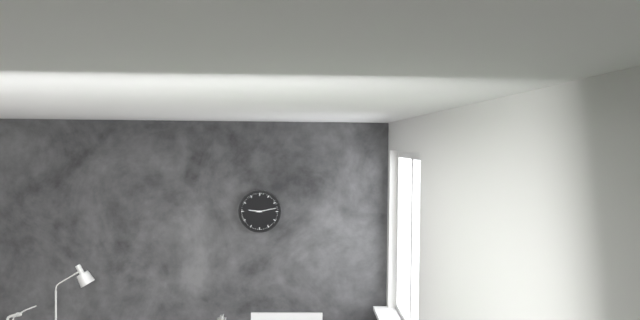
9:13
